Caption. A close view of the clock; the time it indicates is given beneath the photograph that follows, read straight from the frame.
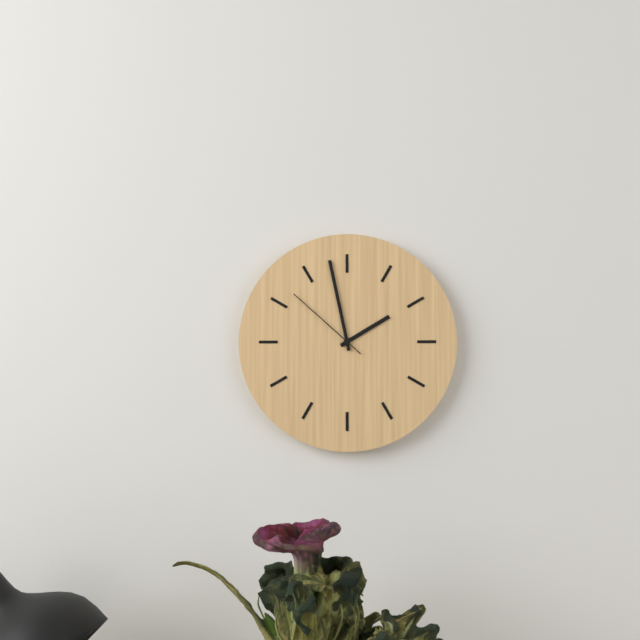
1:58:52
